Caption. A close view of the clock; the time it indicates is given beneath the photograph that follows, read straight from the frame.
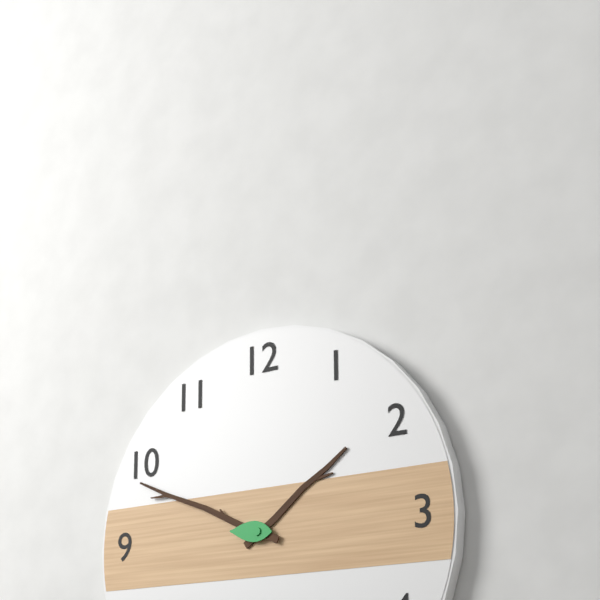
1:49
